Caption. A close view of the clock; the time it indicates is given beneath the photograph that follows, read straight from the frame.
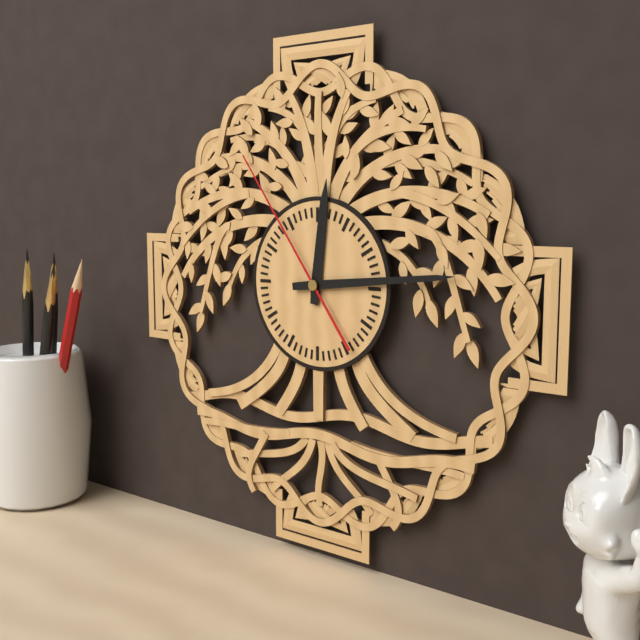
12:14:54
